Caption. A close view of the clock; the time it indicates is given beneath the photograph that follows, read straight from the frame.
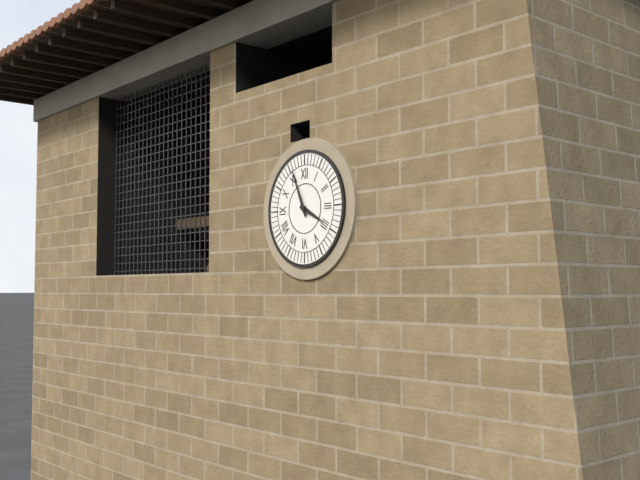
3:56
